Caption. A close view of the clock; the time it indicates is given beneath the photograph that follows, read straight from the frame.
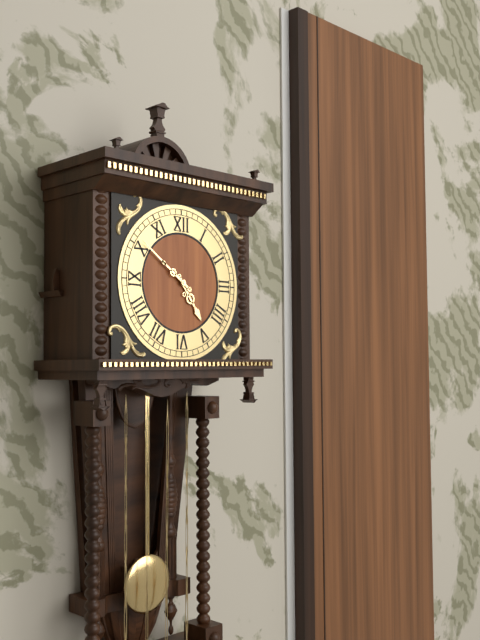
4:51
